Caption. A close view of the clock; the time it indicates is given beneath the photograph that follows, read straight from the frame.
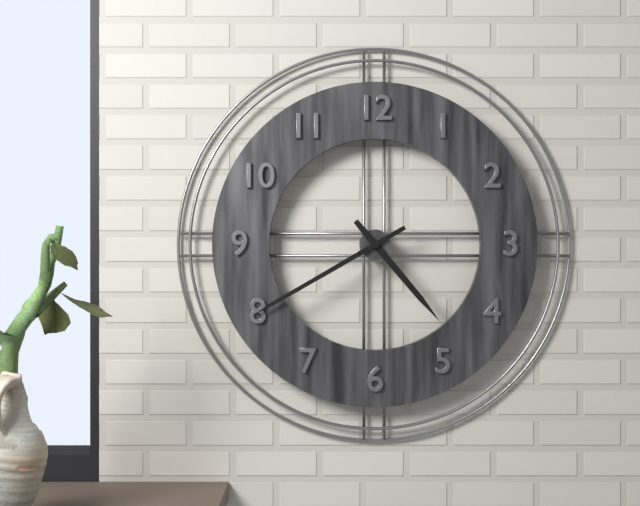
4:40
